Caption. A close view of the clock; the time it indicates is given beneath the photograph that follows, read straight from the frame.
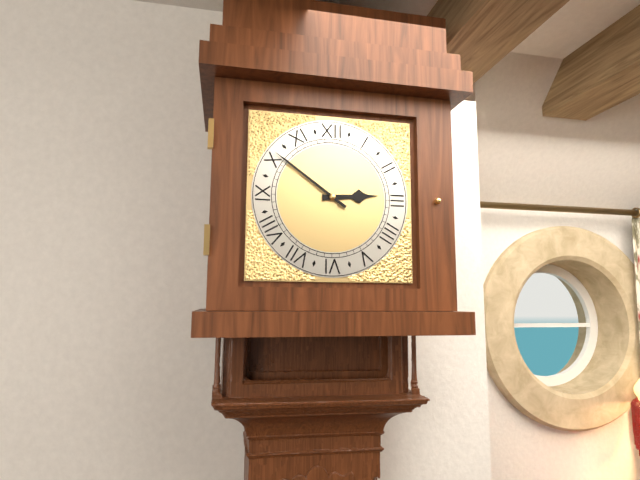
2:51
